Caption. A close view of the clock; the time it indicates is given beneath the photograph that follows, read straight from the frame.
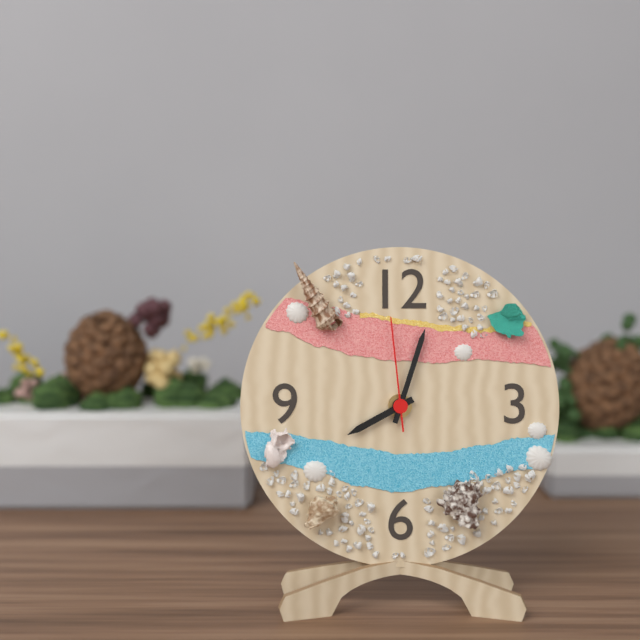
8:03:59
